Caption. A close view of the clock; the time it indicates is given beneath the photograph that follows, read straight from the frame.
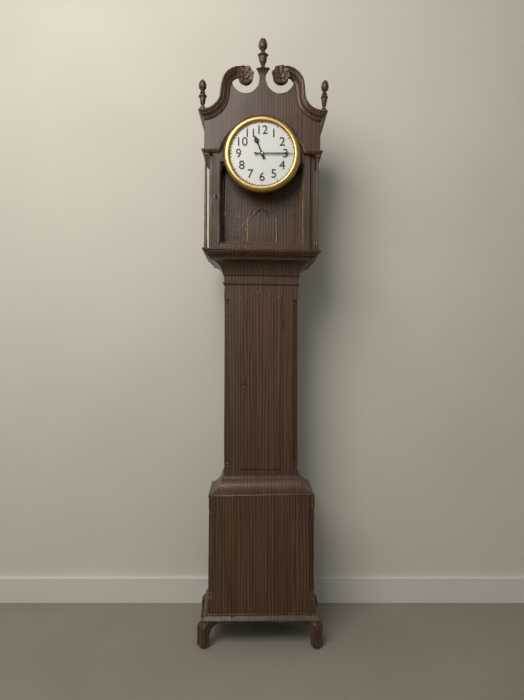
11:15
